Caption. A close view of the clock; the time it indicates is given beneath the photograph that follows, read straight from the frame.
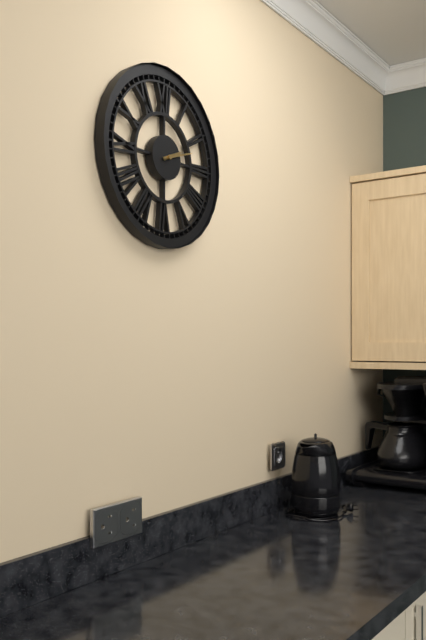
2:12
